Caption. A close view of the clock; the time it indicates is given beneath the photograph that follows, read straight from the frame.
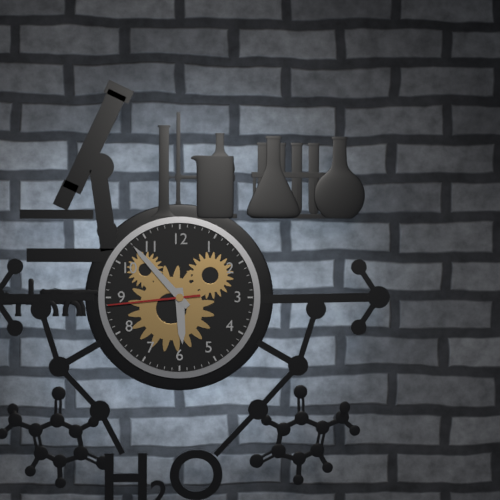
5:53:44
